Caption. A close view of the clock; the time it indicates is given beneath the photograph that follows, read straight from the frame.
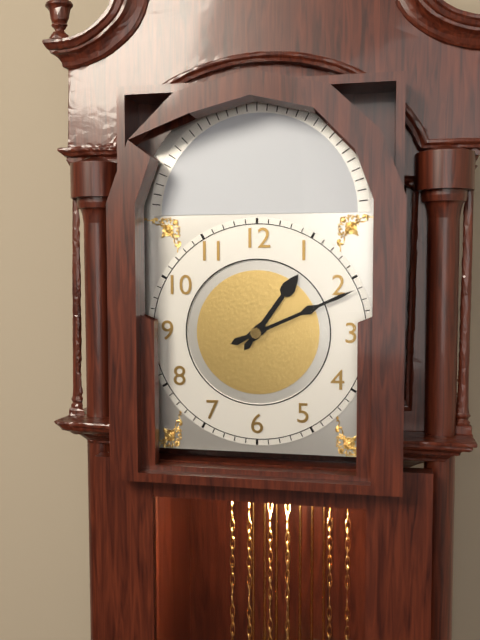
1:11
